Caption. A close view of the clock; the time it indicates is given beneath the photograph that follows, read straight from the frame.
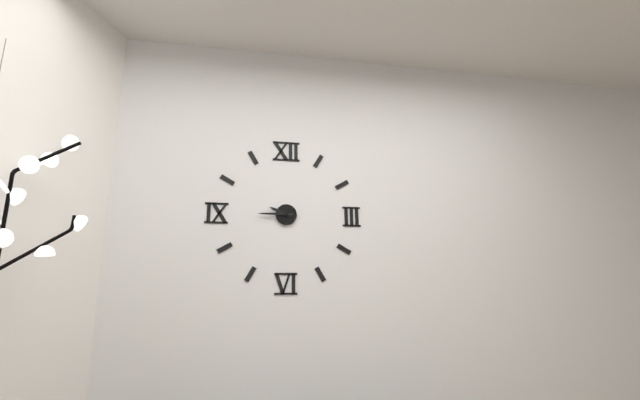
9:45
